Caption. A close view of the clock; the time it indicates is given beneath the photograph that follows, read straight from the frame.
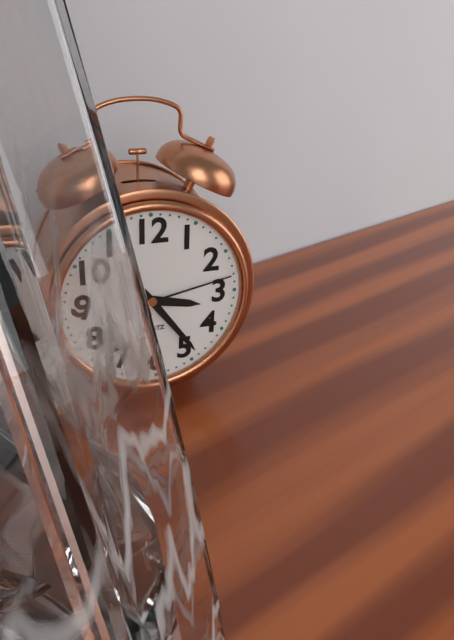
3:24:13
